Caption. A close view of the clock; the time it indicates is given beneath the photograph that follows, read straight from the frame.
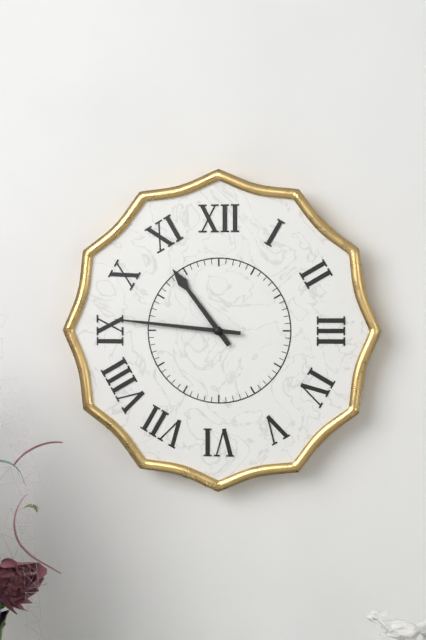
10:46
